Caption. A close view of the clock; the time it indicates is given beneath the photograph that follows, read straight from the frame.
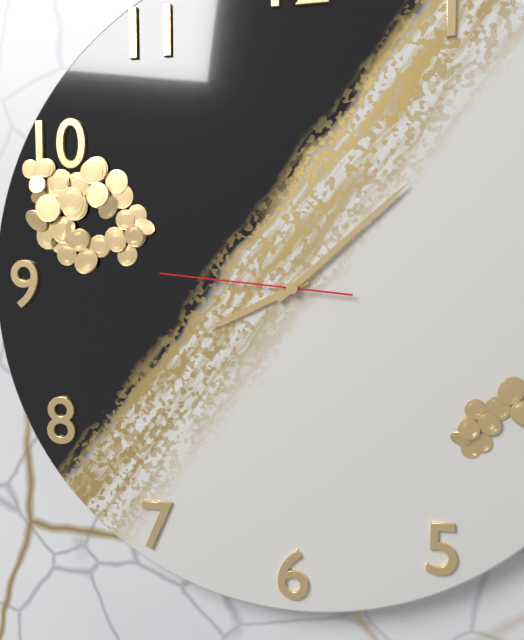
8:08:46
